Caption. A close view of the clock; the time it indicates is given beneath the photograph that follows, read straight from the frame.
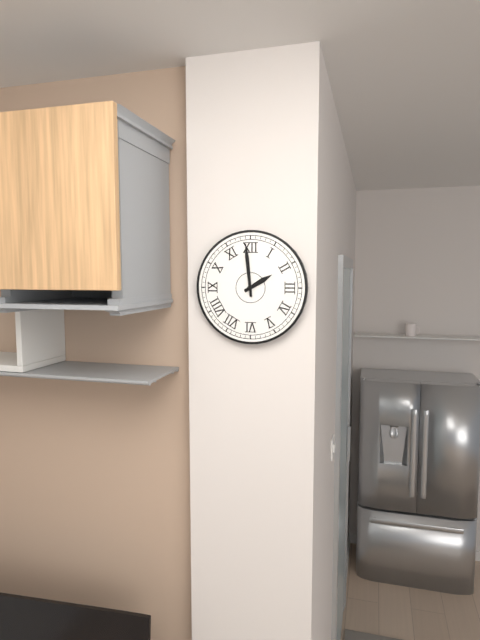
1:59
